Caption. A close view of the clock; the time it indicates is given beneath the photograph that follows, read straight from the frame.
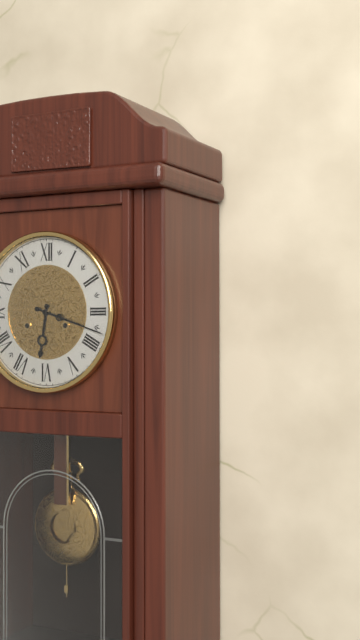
6:18
